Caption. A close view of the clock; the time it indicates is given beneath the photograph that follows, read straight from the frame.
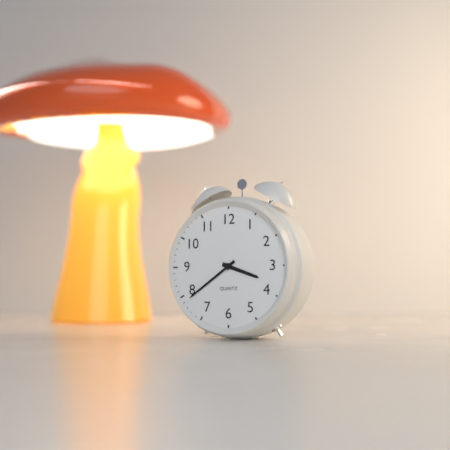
3:39
